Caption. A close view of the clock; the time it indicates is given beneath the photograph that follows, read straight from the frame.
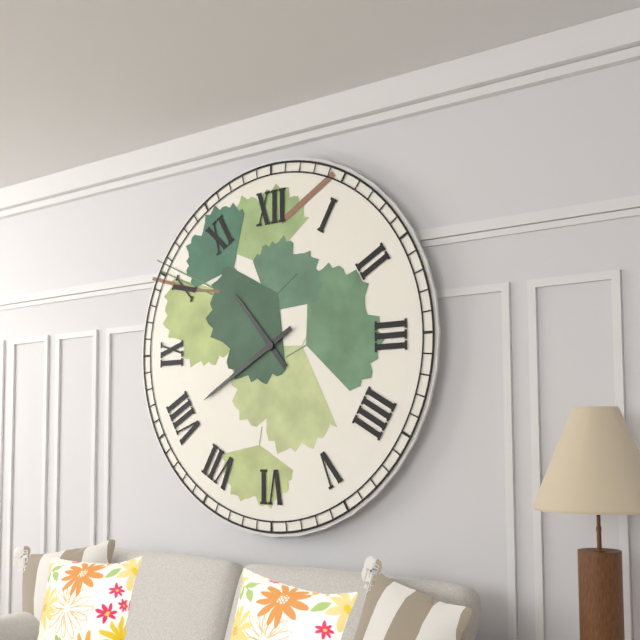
10:40
